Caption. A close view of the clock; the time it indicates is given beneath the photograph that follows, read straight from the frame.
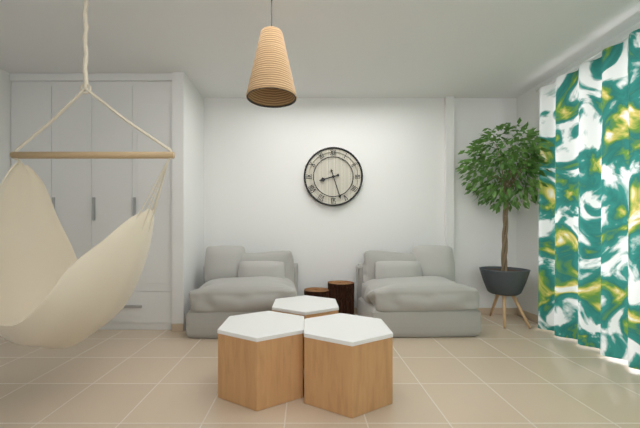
8:27
